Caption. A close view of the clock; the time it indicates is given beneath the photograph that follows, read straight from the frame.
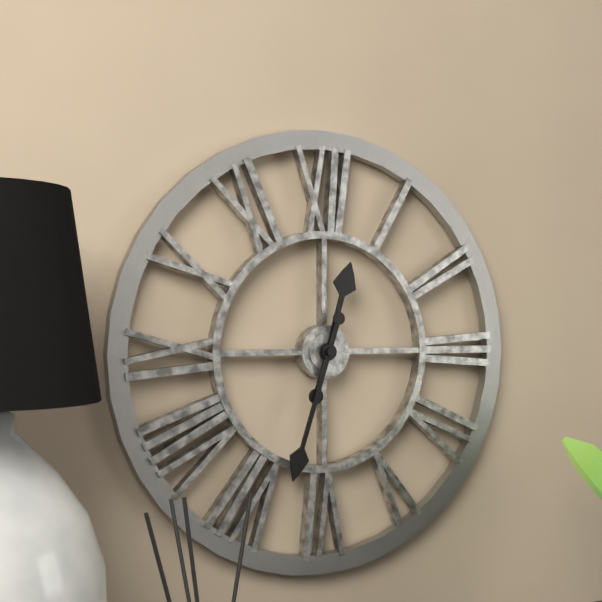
12:33
